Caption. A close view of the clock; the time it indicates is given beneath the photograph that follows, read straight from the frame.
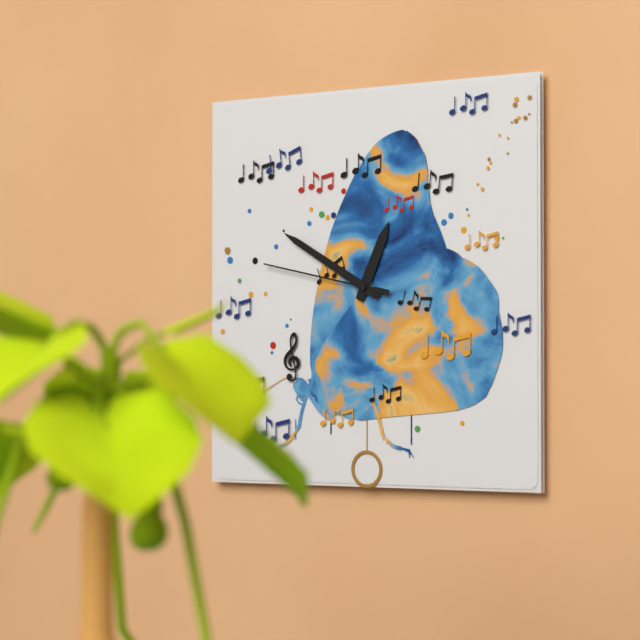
12:50:47
